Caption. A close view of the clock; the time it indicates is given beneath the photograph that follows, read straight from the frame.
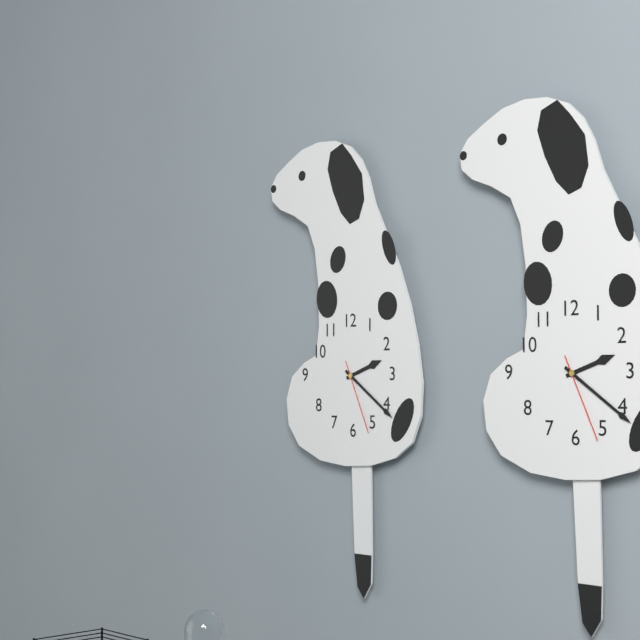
2:21:26
